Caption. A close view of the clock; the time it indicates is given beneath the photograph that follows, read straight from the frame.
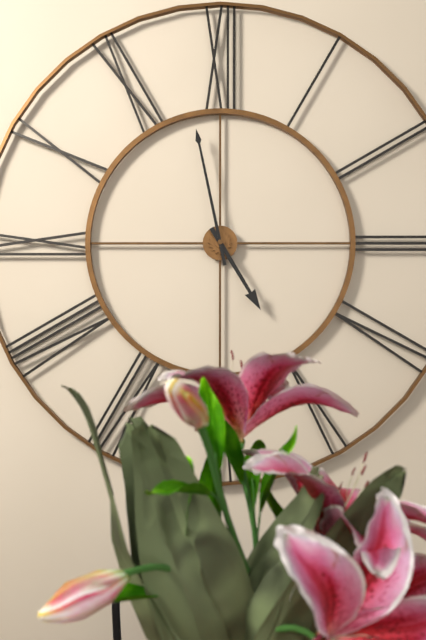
4:58
